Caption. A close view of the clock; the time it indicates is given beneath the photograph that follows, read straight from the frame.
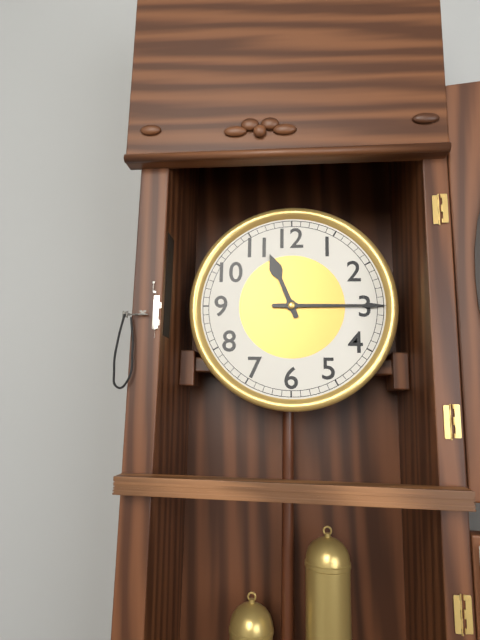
11:15
